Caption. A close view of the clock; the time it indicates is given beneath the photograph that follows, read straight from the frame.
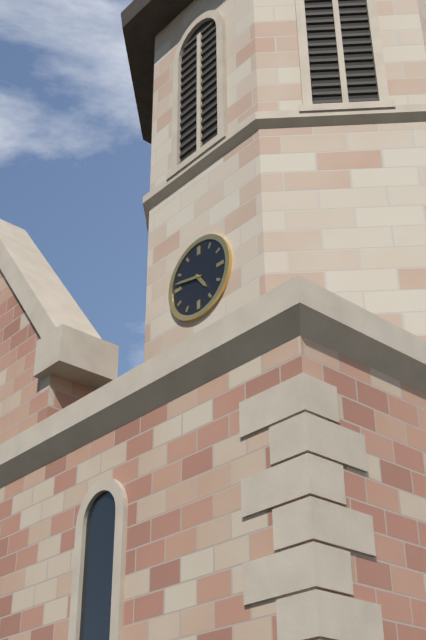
4:47
